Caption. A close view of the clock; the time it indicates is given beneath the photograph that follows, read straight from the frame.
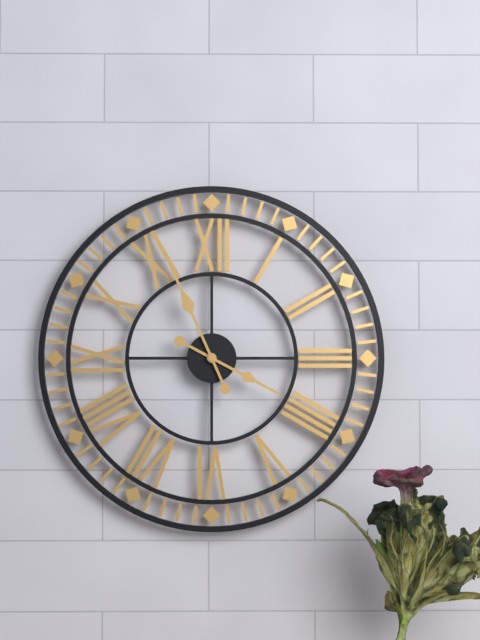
3:56
